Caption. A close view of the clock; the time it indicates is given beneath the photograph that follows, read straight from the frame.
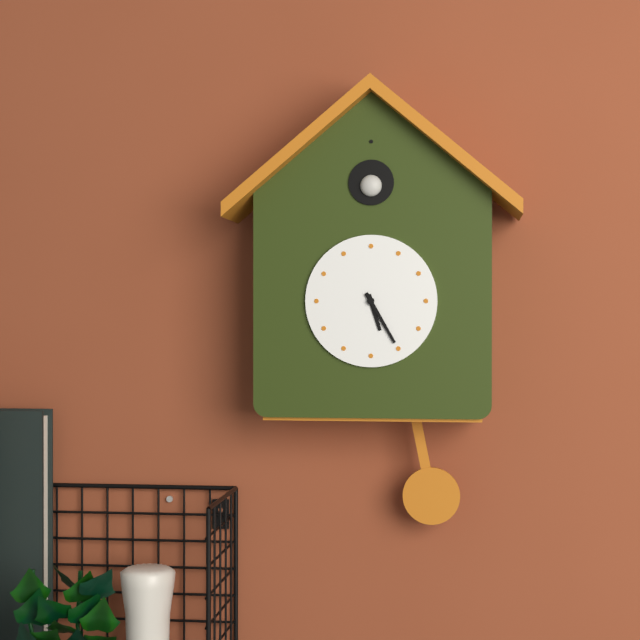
5:25
